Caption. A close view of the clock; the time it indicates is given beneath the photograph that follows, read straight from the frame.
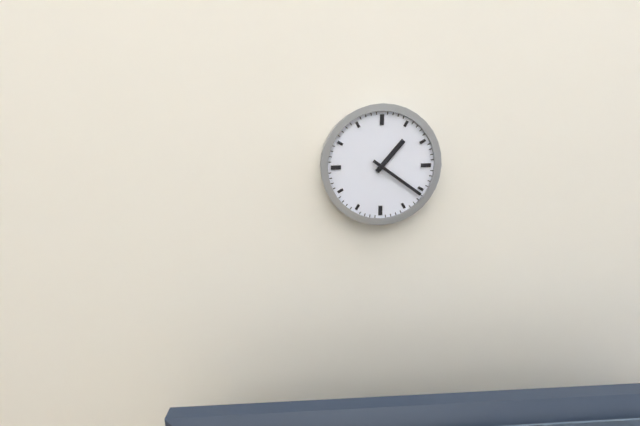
1:21
